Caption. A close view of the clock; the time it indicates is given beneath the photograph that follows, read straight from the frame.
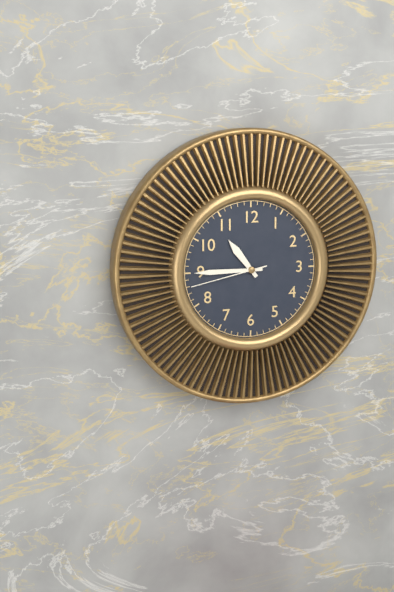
10:45:43
